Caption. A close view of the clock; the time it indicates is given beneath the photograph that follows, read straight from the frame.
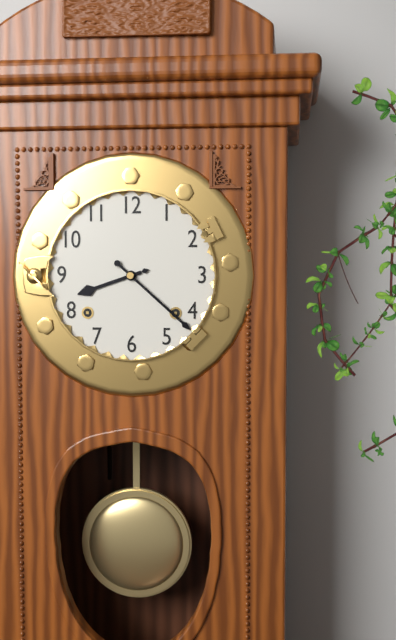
8:22
